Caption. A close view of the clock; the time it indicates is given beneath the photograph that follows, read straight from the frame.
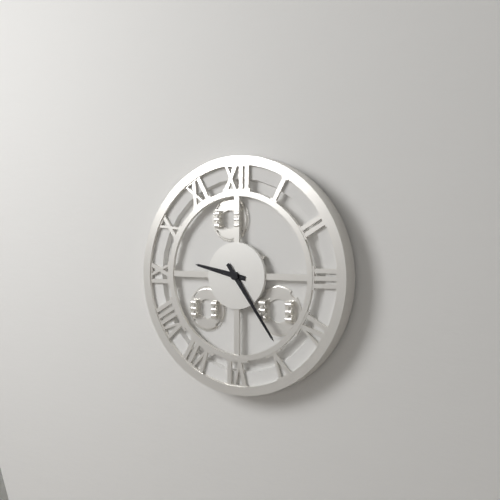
9:24
